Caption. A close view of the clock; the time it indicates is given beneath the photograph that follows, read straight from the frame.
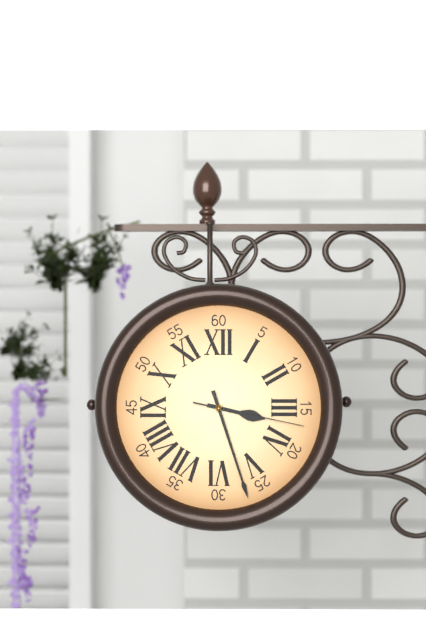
3:27:17
